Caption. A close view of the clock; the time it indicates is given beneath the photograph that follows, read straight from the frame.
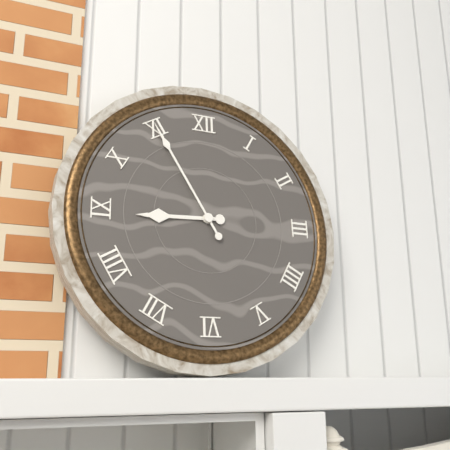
8:55
